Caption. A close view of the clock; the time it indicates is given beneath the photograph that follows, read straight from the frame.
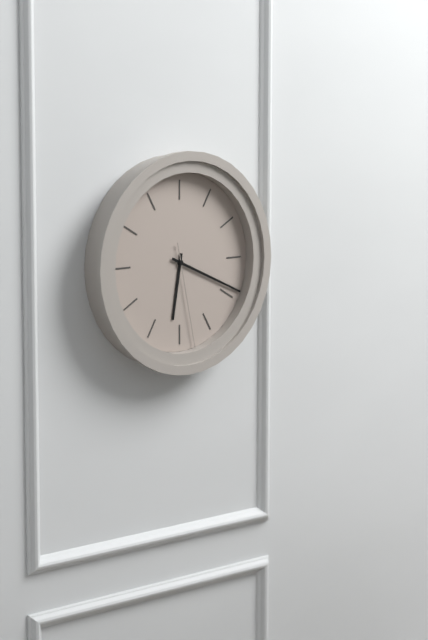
6:19:28
